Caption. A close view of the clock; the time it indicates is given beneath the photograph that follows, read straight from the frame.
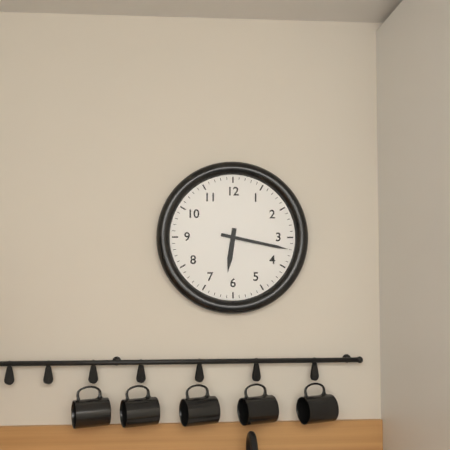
6:17
